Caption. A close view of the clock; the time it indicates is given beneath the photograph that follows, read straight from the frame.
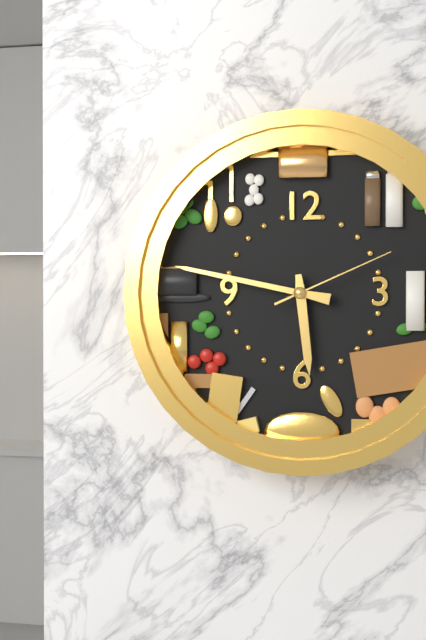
5:47:11
